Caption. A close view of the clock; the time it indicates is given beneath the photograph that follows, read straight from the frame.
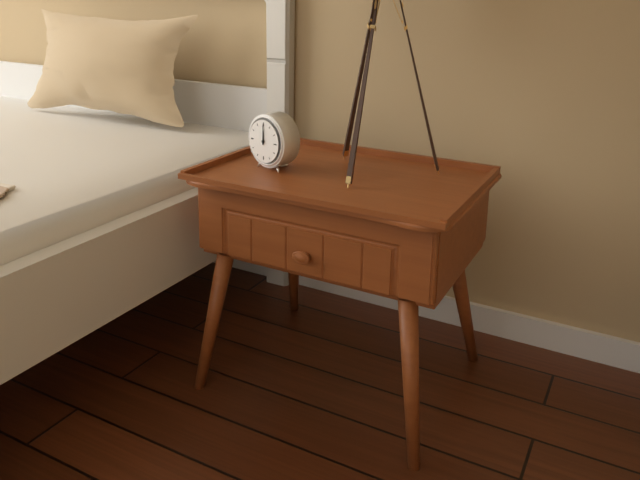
12:00
